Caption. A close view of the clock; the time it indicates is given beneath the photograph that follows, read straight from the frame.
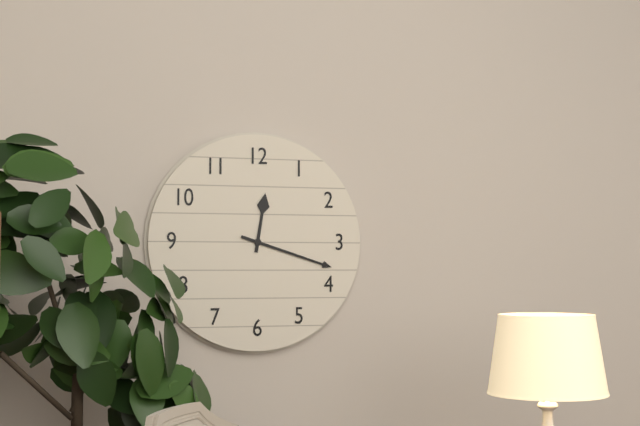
12:18
